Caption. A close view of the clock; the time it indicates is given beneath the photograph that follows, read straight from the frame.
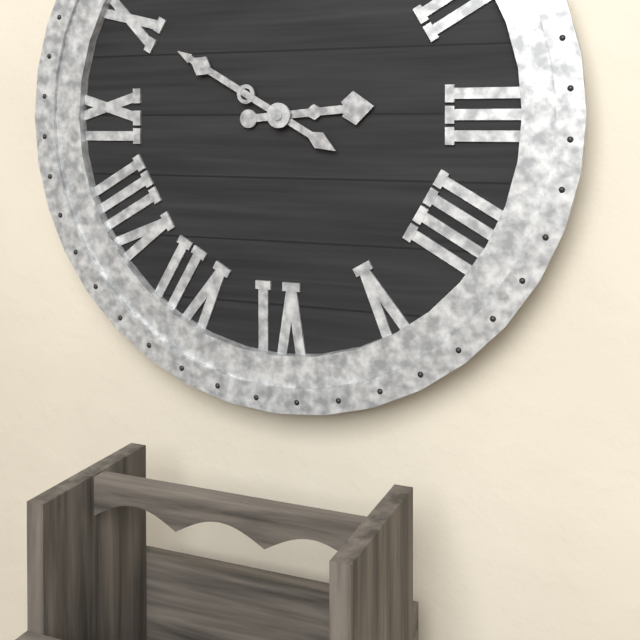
2:50
